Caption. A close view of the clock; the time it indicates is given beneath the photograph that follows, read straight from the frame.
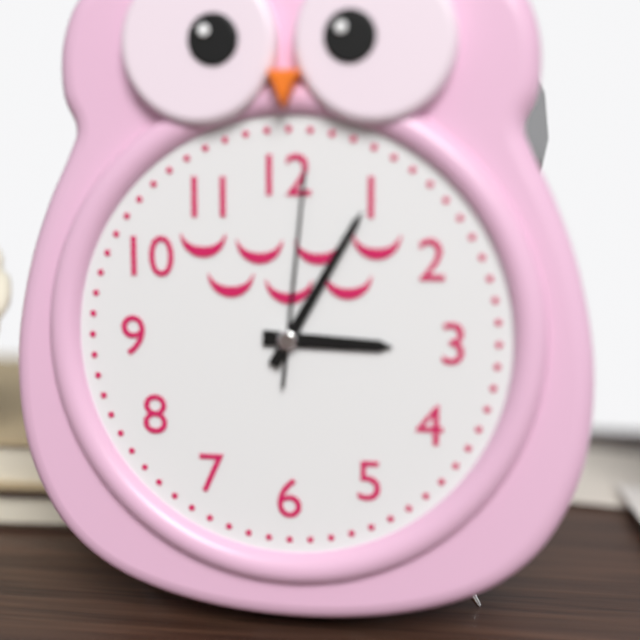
3:05:01
